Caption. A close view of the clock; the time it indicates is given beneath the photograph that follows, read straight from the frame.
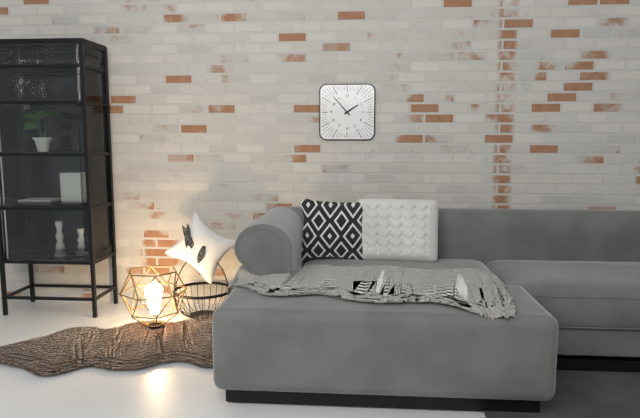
1:53
